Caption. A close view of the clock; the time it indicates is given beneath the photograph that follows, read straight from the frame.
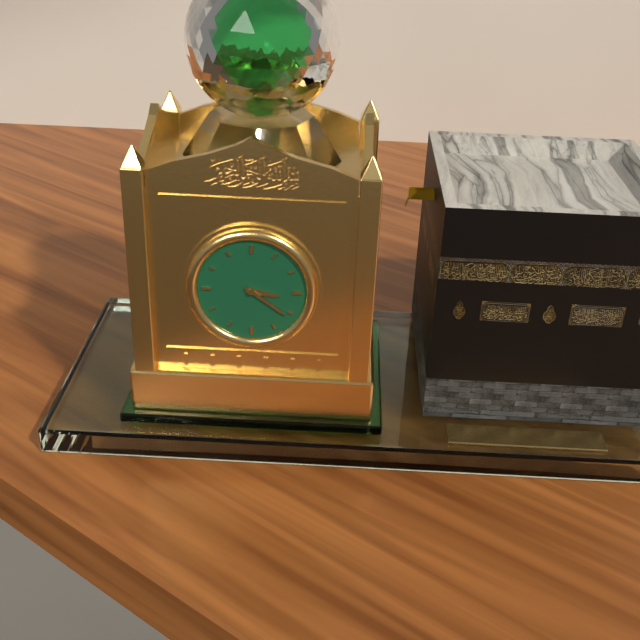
3:21
